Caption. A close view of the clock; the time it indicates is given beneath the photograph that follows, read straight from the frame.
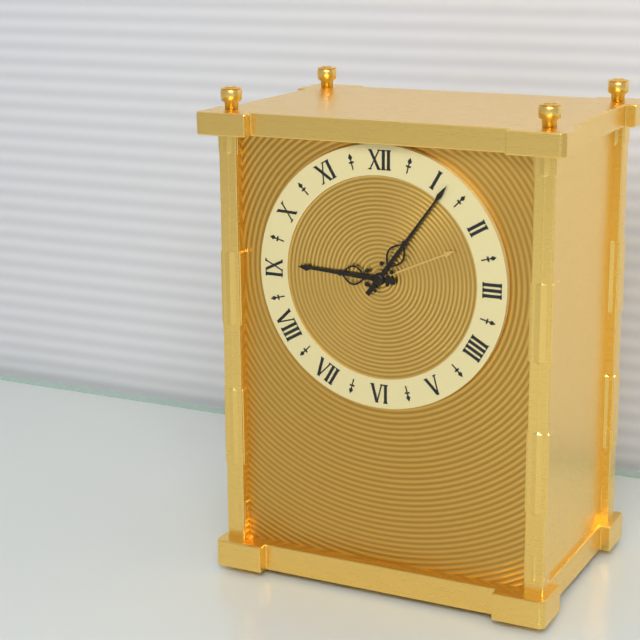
9:06
